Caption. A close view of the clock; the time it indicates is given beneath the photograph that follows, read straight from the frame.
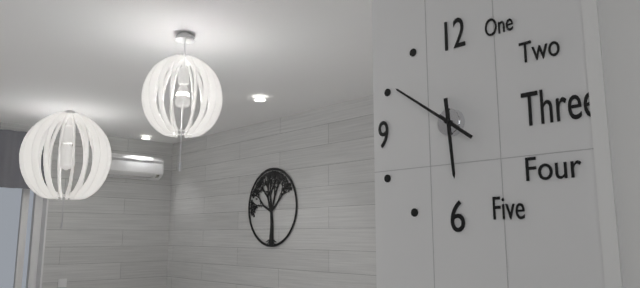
5:51
